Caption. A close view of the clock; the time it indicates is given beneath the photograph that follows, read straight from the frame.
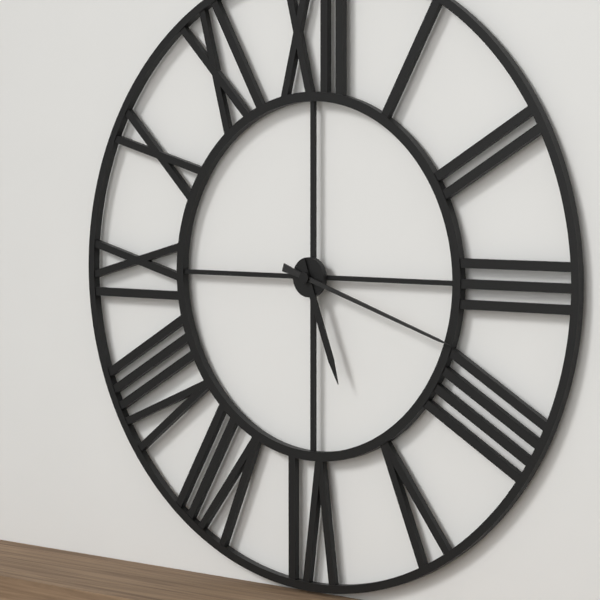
5:18
